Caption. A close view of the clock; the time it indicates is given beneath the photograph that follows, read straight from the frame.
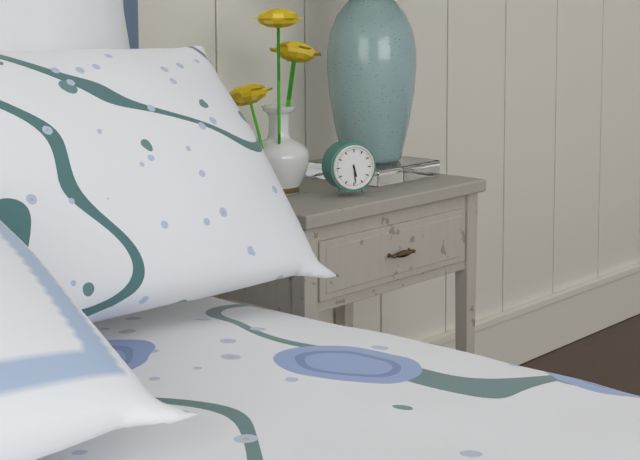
5:29
